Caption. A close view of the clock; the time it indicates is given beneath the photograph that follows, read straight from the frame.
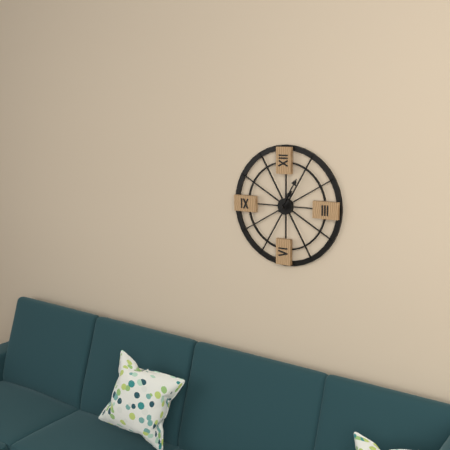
1:05
